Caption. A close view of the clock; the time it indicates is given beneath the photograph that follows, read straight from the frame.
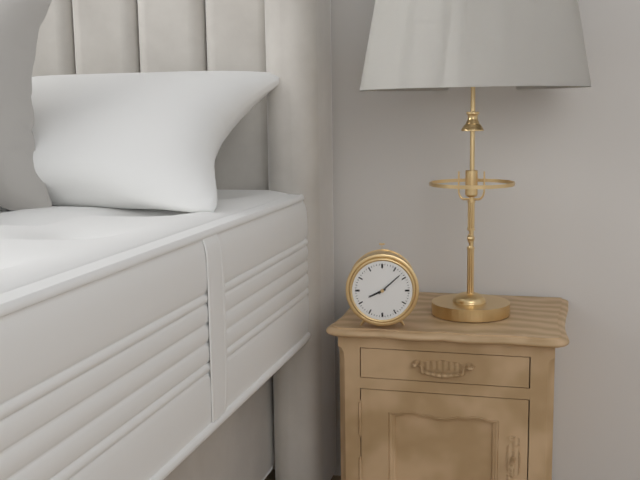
8:08
